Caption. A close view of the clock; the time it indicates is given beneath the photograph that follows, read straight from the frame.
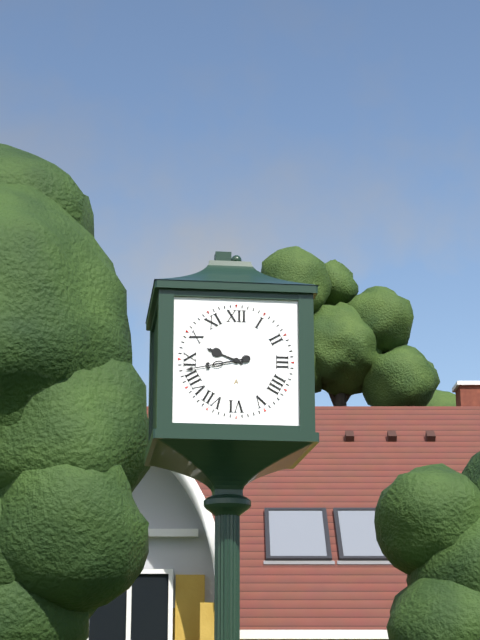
9:43
